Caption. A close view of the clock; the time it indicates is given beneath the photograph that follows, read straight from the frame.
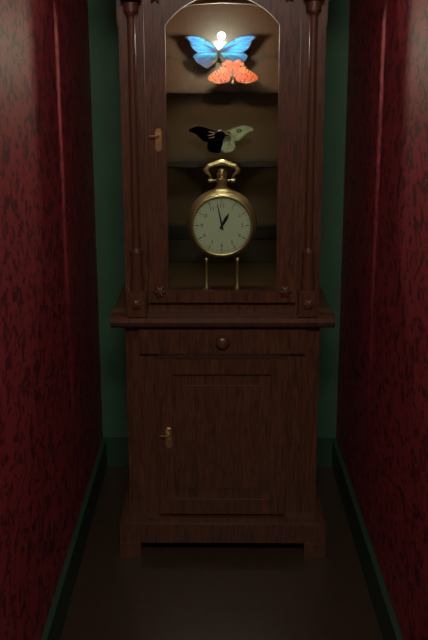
12:58
